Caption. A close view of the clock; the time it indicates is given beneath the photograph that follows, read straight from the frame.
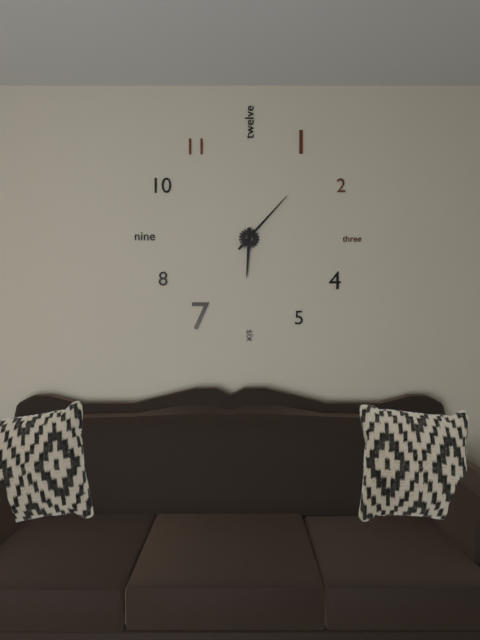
6:07
